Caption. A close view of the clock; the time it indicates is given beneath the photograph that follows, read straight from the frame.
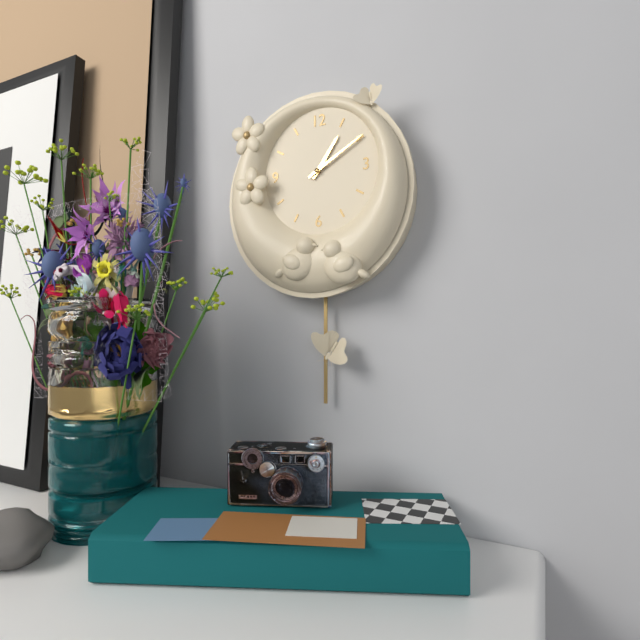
1:10
